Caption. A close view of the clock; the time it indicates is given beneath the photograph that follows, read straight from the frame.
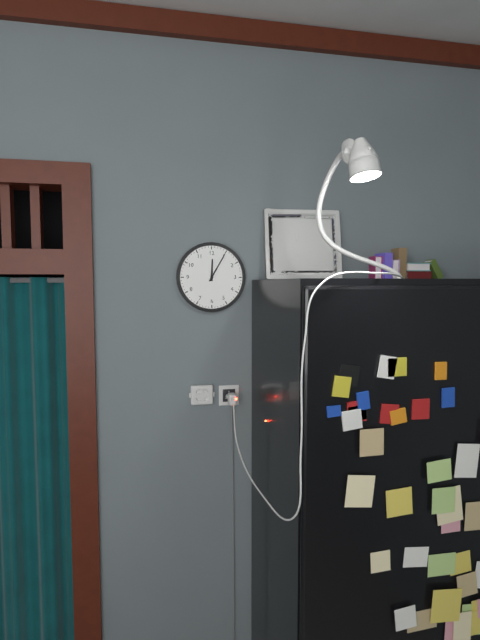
12:05
